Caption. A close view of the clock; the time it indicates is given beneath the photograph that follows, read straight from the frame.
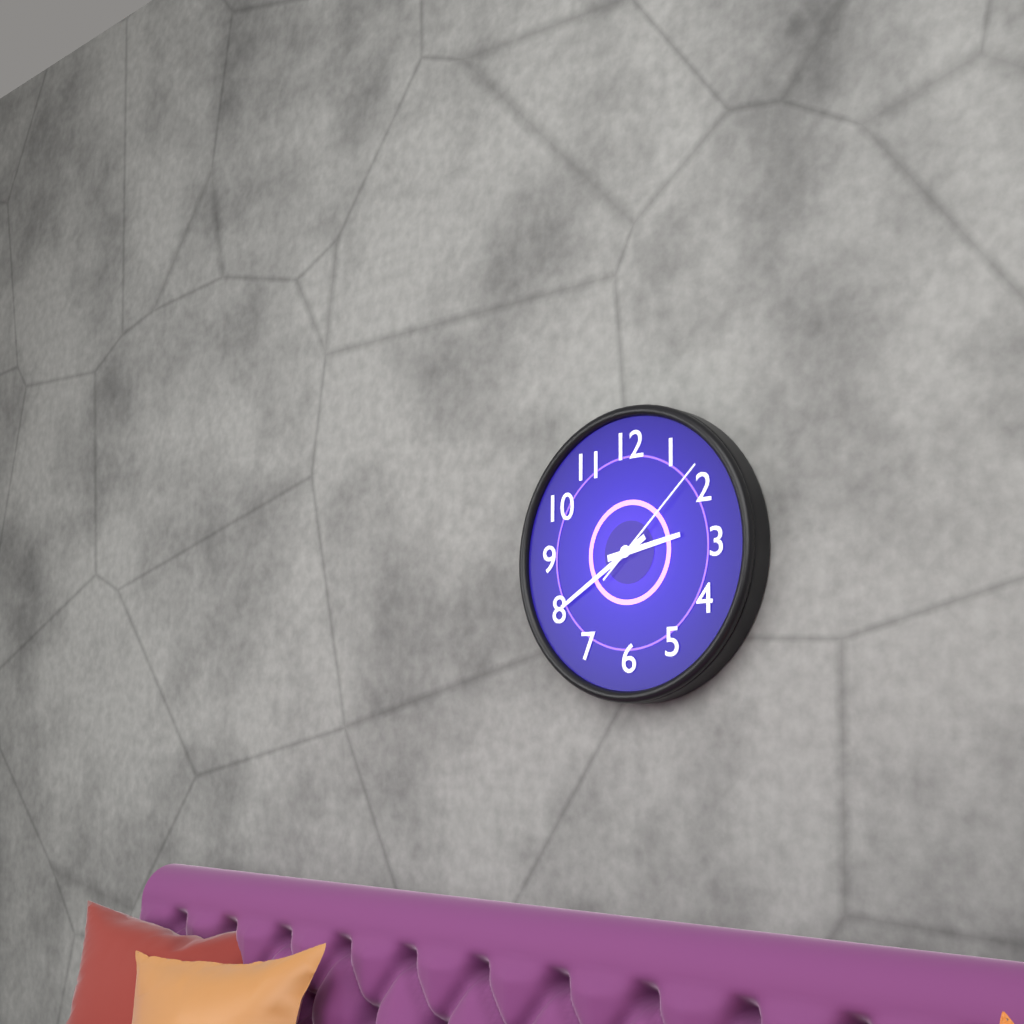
2:40:08
